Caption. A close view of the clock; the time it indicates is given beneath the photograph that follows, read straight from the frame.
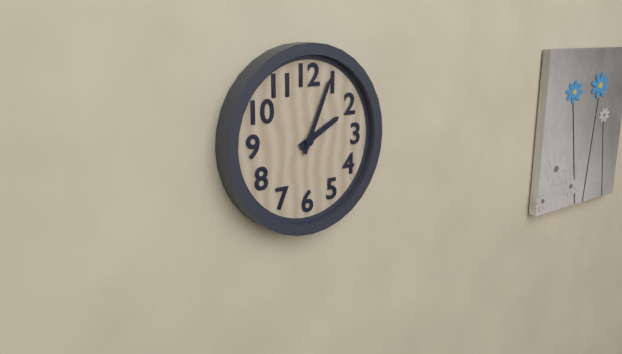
2:04
